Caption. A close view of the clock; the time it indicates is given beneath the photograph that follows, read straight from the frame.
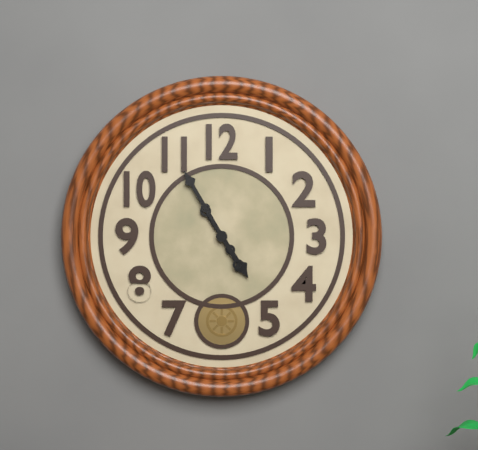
4:55
